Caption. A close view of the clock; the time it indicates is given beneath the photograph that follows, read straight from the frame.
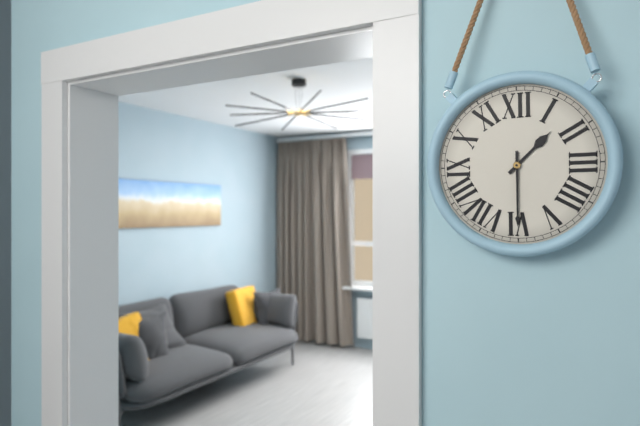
1:30
